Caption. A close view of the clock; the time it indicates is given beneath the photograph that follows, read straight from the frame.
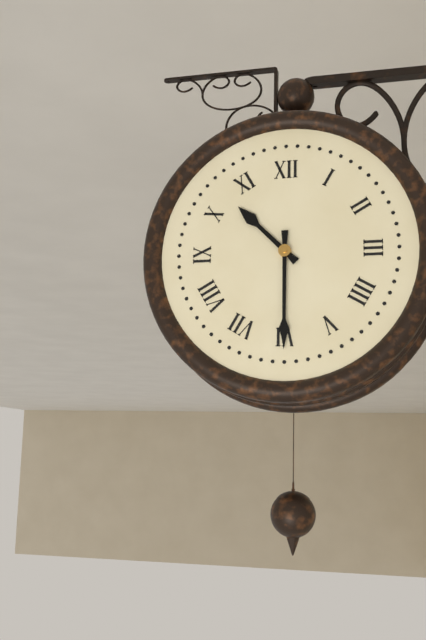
10:30
